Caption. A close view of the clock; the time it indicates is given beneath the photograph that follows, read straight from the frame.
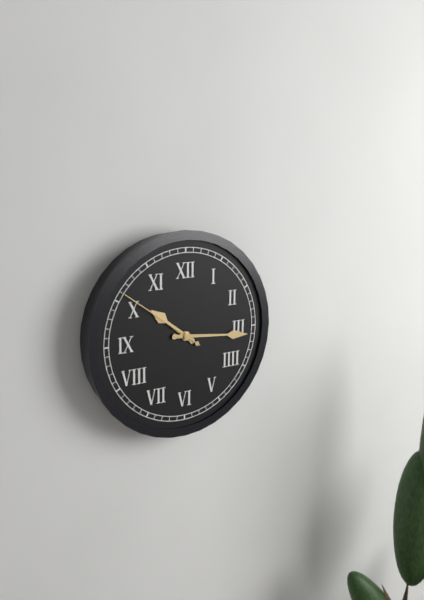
10:16:51
